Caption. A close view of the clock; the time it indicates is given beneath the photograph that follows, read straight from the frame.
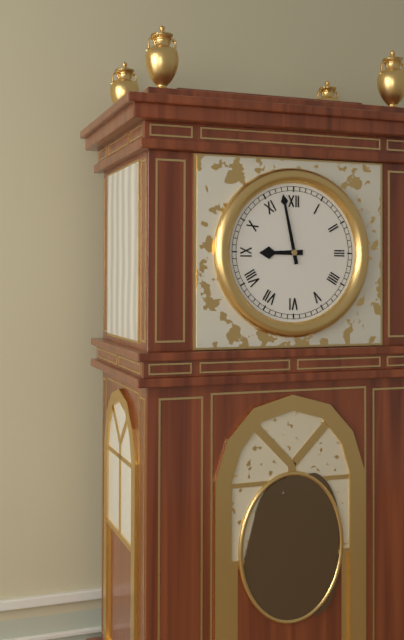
8:58
